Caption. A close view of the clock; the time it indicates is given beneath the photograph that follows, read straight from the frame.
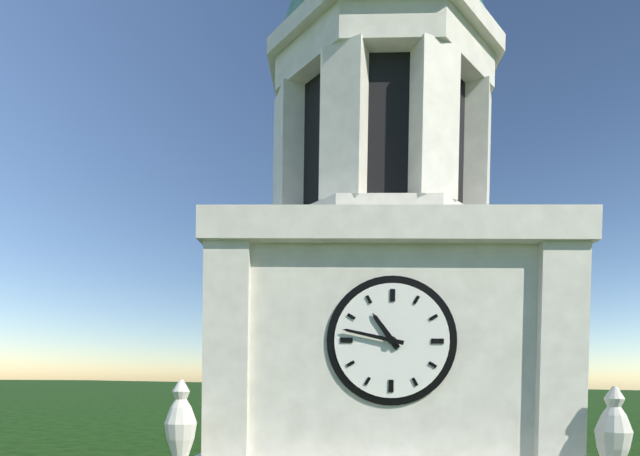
10:47
